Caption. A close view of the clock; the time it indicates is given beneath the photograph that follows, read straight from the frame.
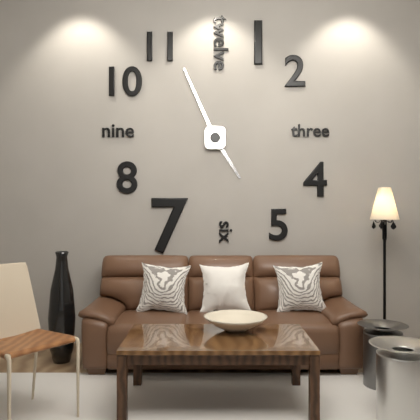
4:56
